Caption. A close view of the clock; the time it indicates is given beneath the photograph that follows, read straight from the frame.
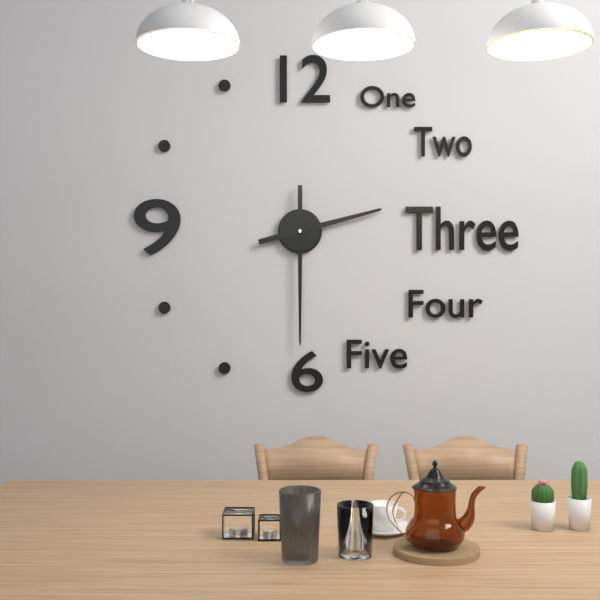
2:30
